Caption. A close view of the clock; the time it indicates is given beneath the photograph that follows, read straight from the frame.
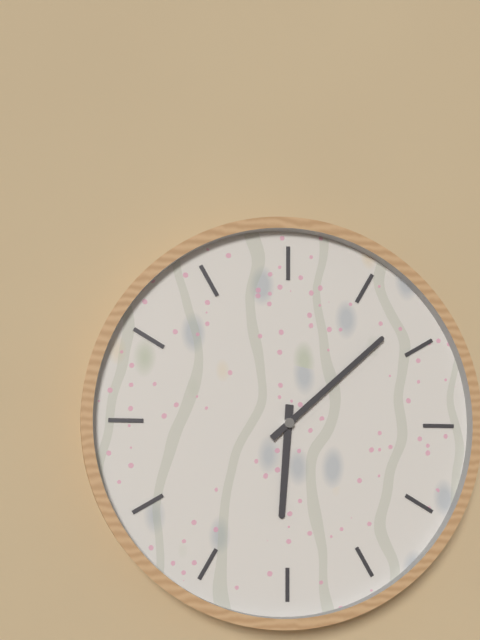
6:08
